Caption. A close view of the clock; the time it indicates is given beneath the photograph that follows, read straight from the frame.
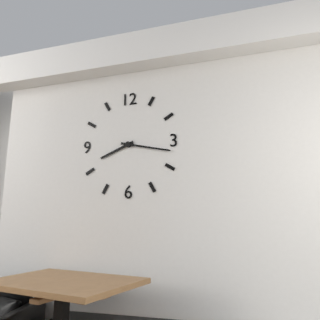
8:17
